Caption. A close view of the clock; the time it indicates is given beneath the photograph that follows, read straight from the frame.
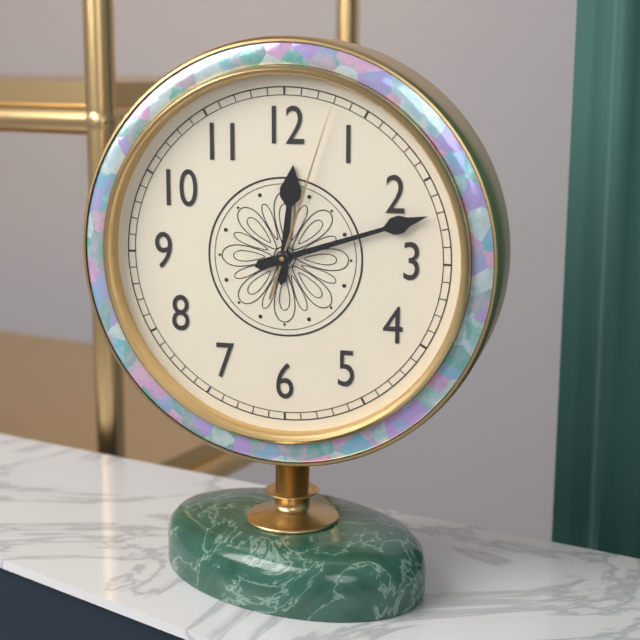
12:12:03
